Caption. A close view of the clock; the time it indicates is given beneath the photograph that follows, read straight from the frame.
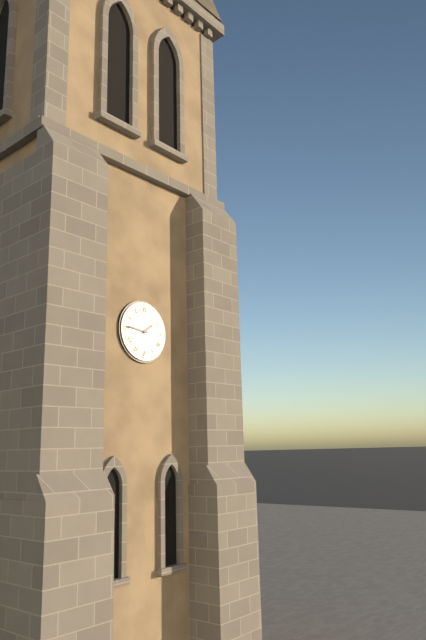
1:46
